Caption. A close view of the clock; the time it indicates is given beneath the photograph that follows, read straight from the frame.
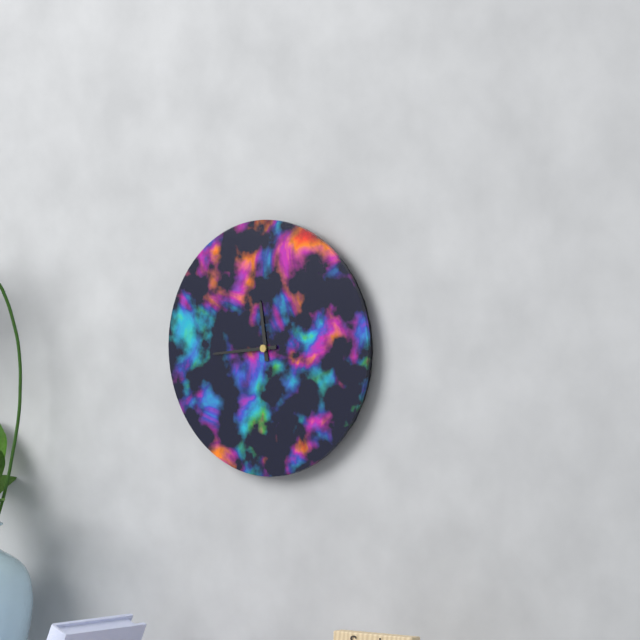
11:44
